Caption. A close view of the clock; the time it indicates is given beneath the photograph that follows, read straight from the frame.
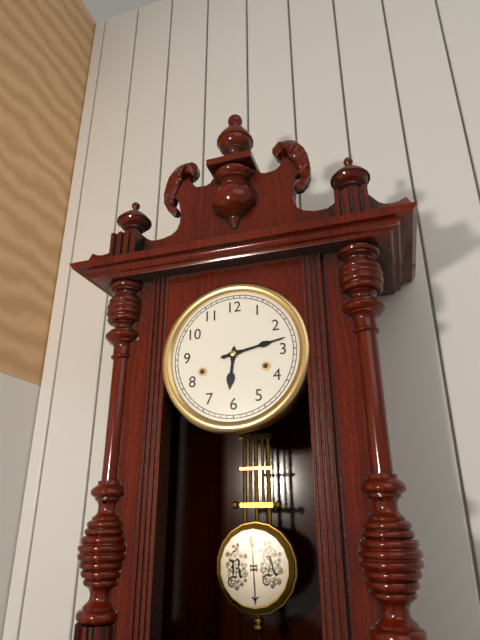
6:13
